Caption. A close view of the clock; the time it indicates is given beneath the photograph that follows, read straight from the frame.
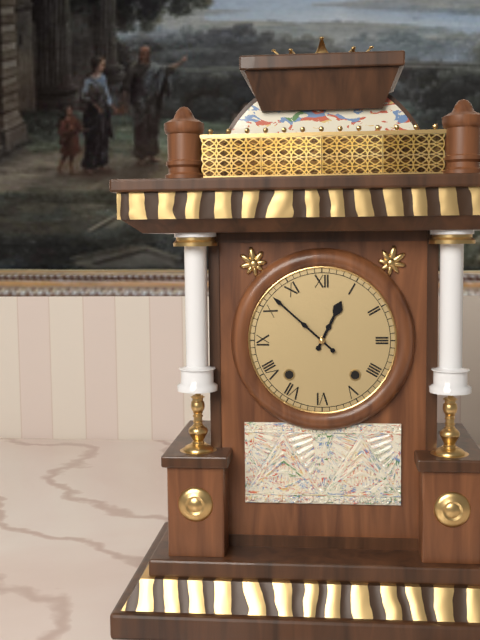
12:52
